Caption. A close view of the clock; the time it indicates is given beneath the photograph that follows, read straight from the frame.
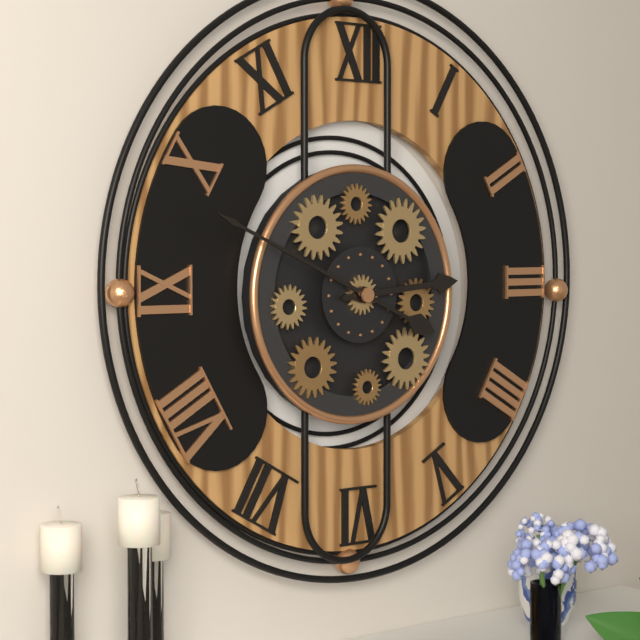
2:49
